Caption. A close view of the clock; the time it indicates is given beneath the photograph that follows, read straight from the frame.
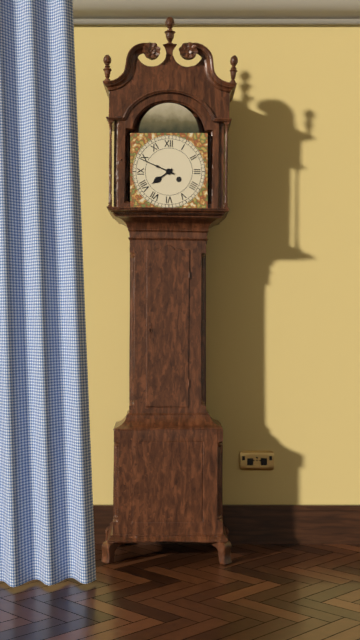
7:49
